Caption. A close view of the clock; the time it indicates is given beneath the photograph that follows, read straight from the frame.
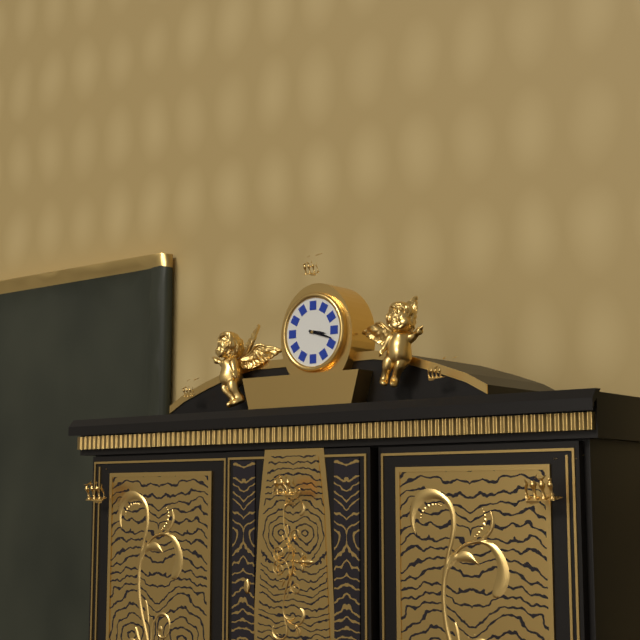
3:18
